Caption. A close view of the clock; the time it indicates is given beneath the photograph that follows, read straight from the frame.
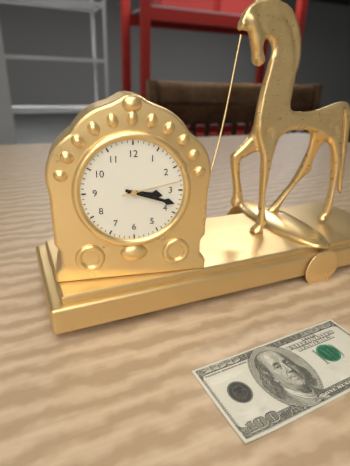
3:18:13
